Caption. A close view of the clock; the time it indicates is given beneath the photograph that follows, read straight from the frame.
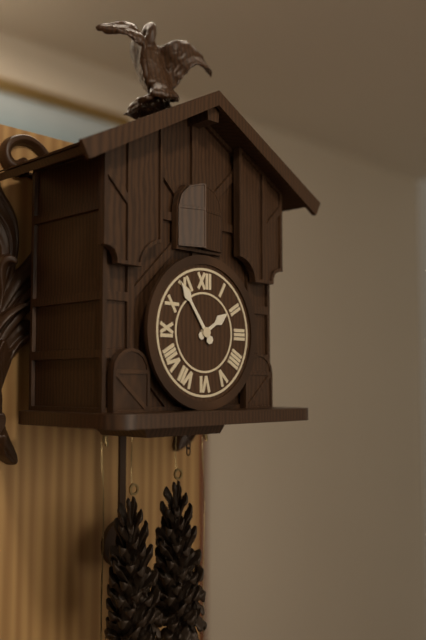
1:54
